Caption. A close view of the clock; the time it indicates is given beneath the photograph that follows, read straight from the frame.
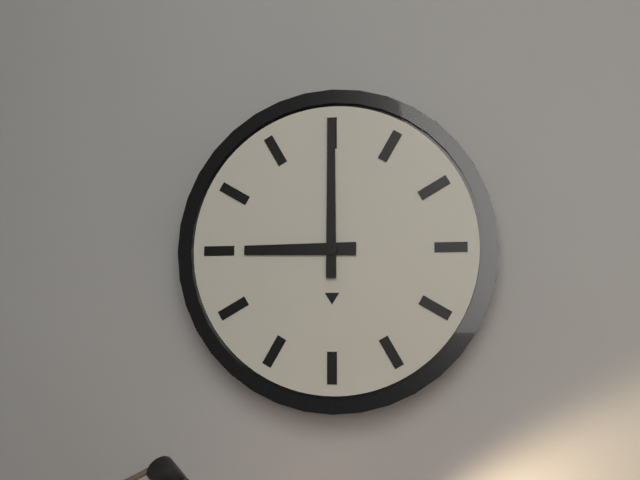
9:00
